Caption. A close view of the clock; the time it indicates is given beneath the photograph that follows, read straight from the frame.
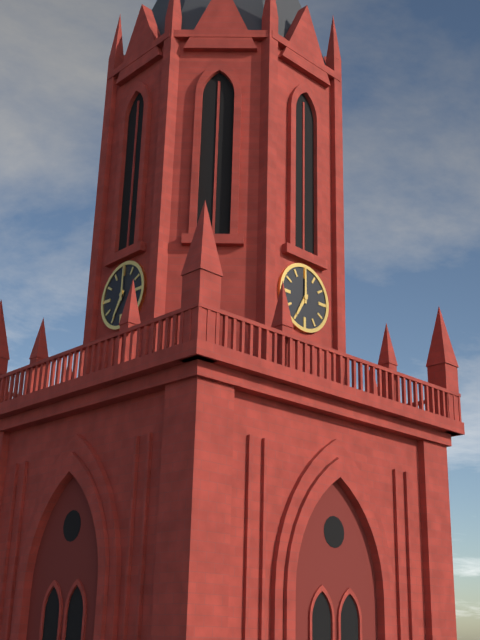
7:00
